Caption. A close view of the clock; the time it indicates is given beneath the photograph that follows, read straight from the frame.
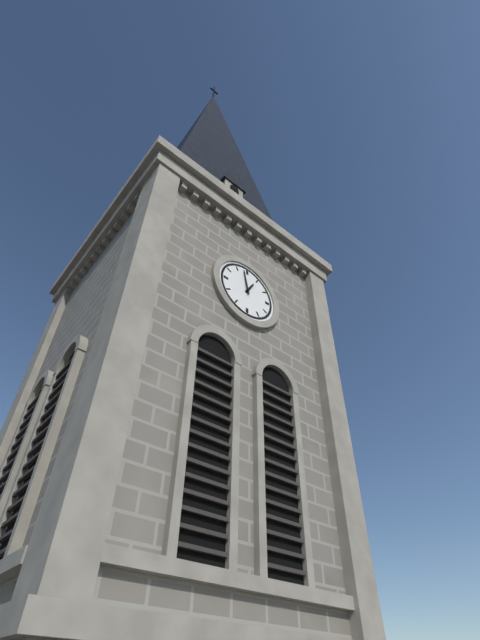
12:58
